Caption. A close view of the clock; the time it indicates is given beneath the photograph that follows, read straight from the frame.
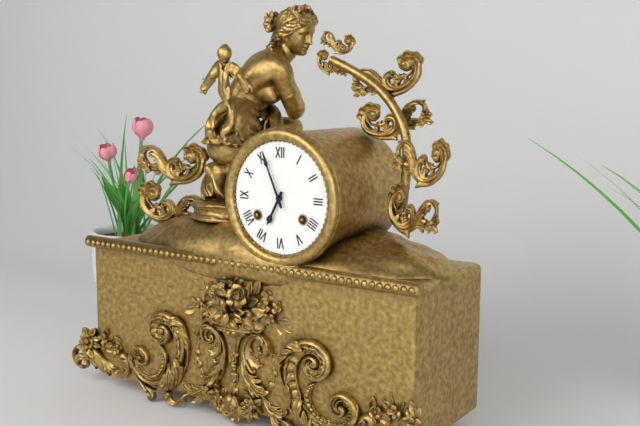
6:56
